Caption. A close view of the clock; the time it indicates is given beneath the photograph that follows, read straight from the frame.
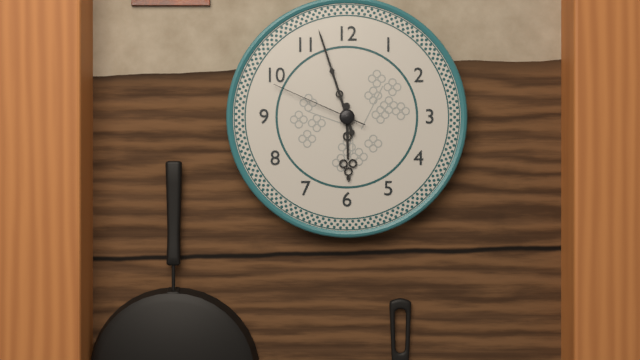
5:57:49
